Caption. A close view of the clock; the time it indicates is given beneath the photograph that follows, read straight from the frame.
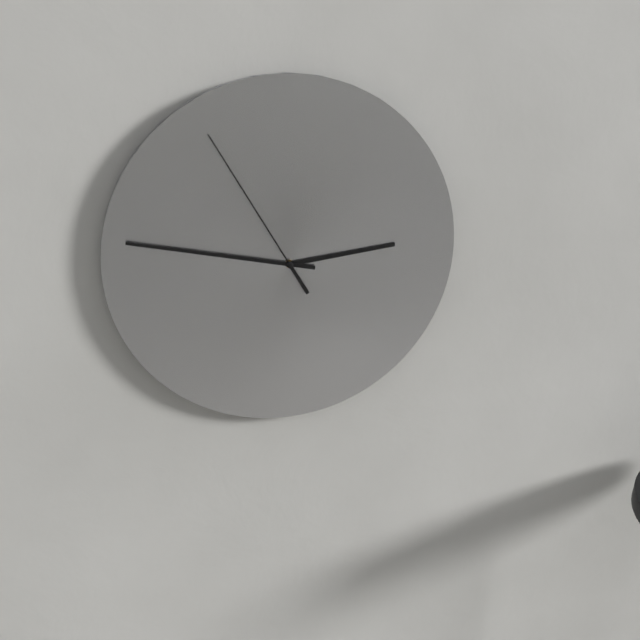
2:47:55
